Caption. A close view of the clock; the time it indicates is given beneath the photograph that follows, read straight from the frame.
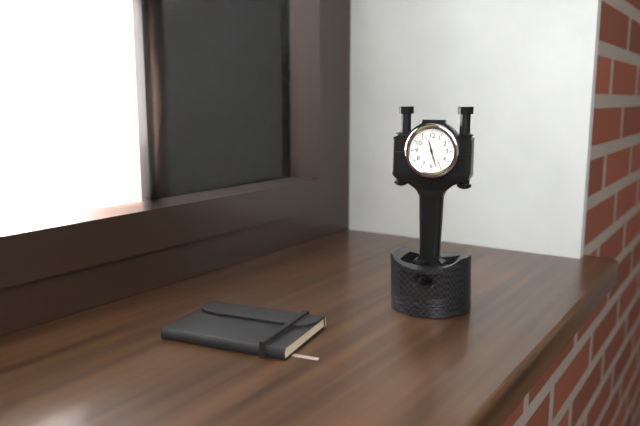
11:27
